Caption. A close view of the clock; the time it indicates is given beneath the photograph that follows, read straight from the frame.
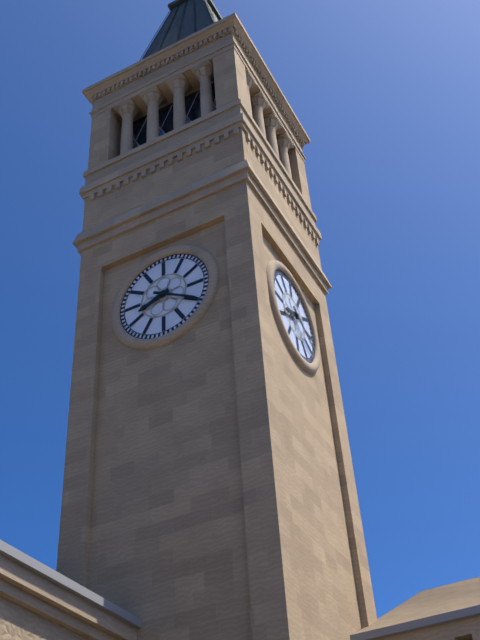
8:20
